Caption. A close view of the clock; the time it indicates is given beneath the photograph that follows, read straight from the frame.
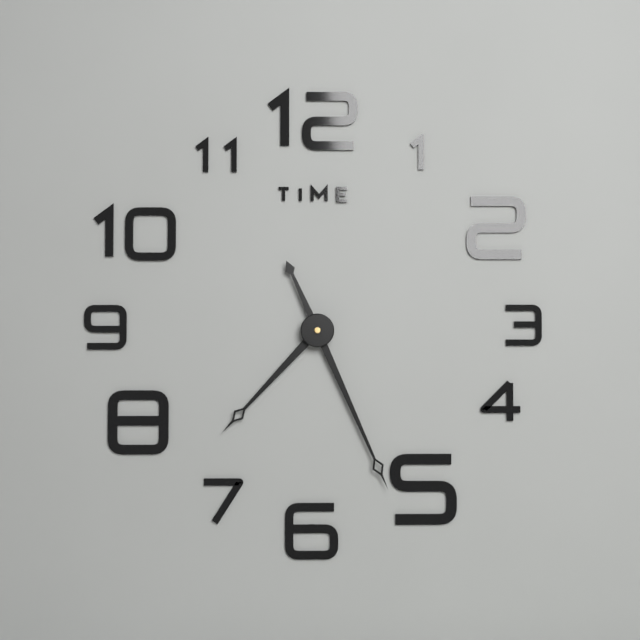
7:26
